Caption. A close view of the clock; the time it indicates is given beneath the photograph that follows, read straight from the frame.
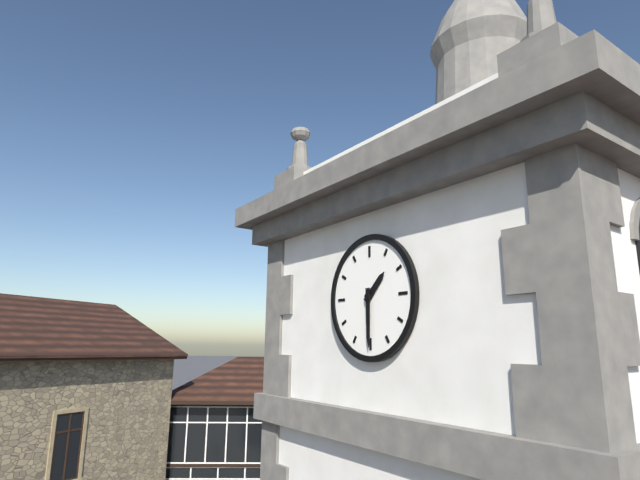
1:30
